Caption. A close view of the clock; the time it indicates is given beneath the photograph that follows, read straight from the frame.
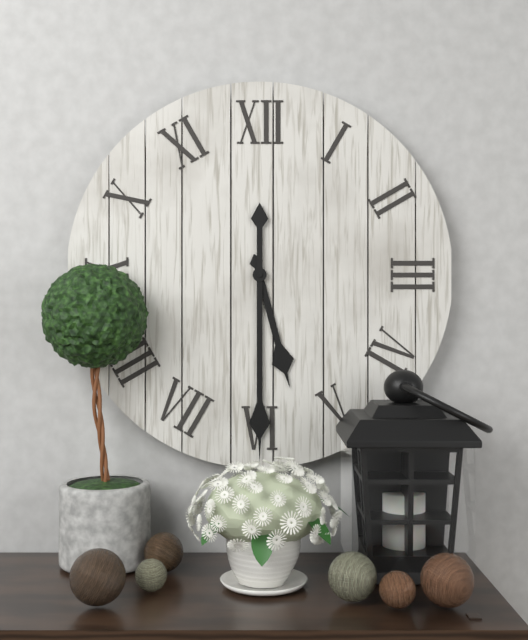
5:30
